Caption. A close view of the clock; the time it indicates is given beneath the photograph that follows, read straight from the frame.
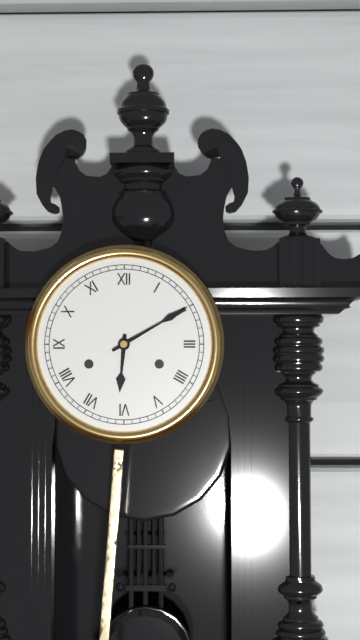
6:10
